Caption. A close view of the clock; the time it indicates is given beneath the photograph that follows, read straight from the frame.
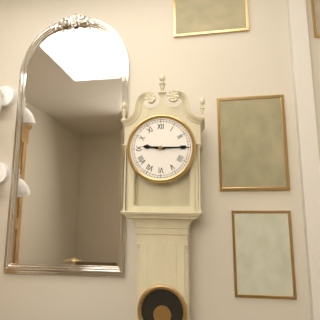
9:15
